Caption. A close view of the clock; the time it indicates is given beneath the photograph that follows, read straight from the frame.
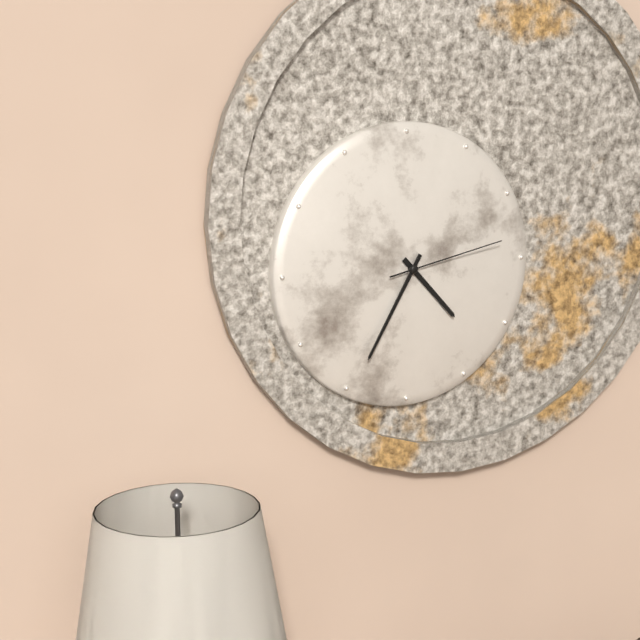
4:35:13
